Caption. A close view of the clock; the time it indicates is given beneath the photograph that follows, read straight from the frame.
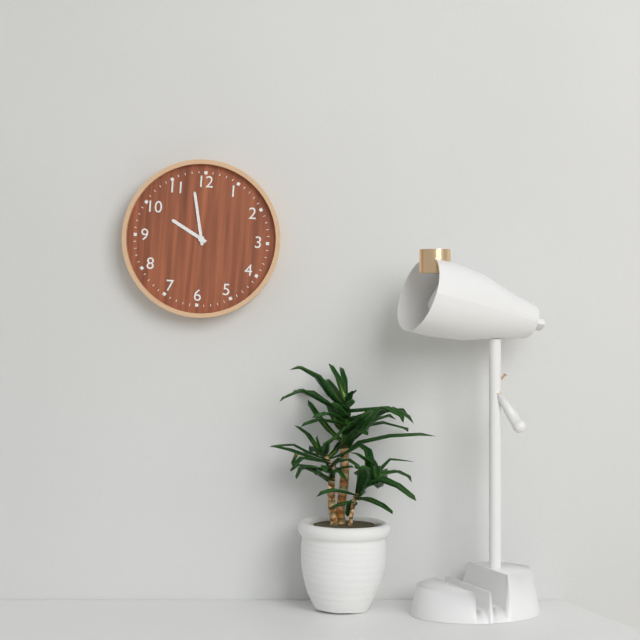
9:58
